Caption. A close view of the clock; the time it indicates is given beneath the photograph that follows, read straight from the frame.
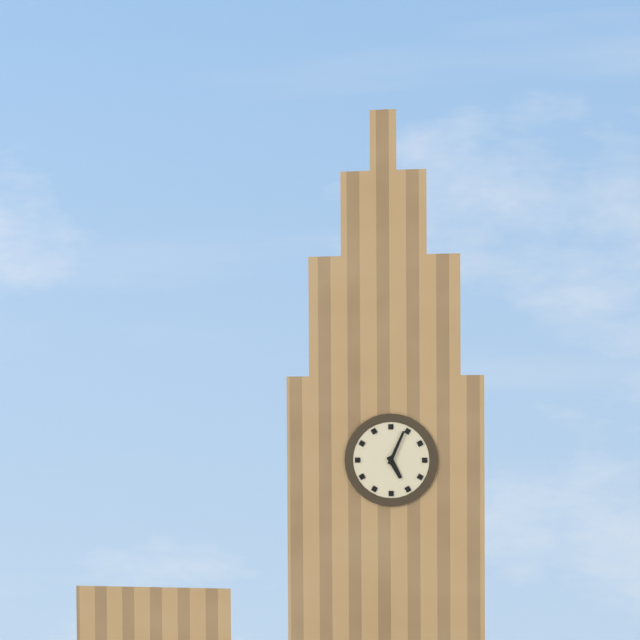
5:04
